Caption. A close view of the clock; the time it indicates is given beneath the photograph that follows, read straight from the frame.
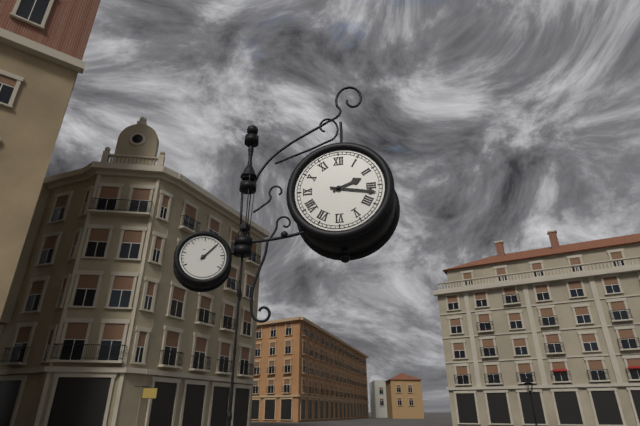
2:17
